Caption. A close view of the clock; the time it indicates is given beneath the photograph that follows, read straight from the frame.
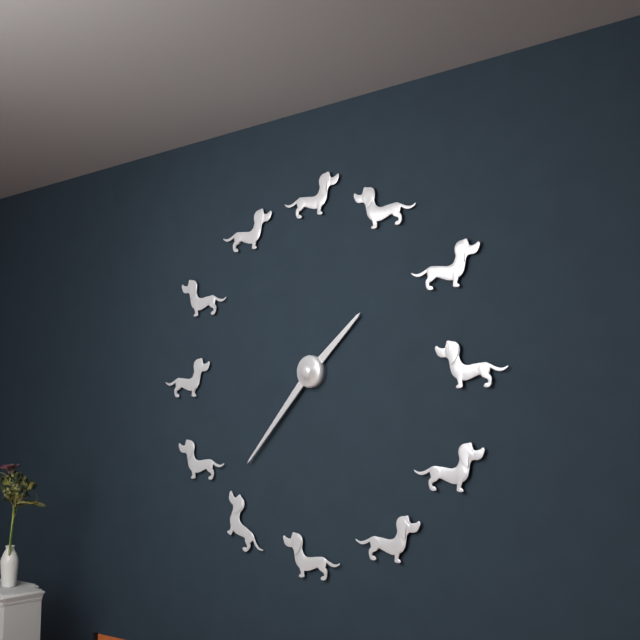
1:37
